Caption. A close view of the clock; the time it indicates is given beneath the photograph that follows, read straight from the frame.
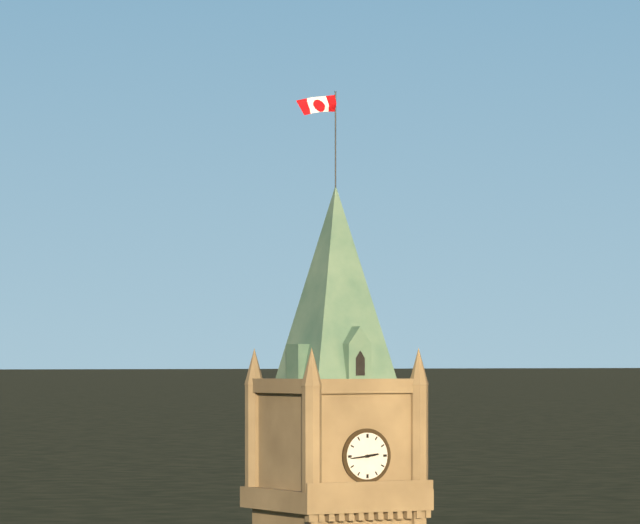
2:44
